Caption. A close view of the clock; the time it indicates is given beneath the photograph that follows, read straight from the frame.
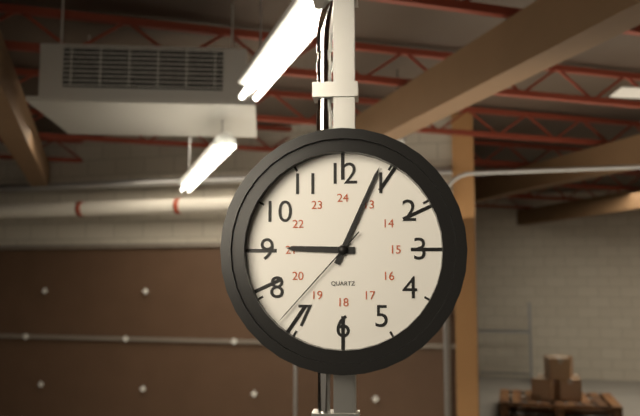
9:04:37
